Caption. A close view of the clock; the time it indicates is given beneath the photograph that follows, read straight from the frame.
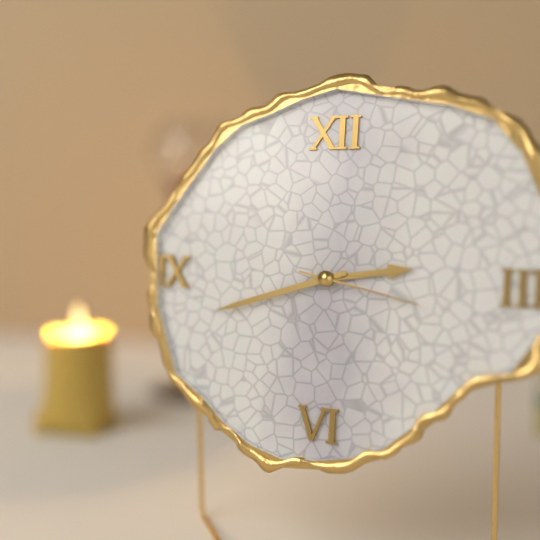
2:42:17
